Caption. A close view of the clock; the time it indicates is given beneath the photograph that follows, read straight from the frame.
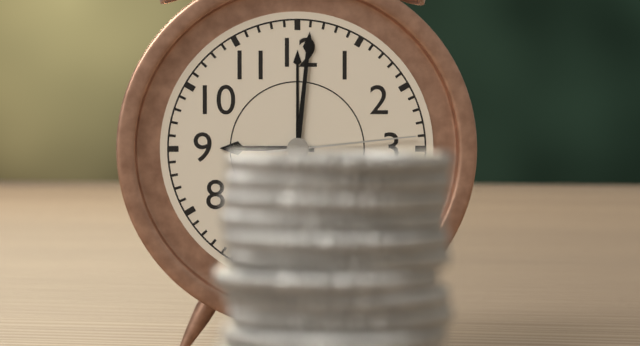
9:01:14
